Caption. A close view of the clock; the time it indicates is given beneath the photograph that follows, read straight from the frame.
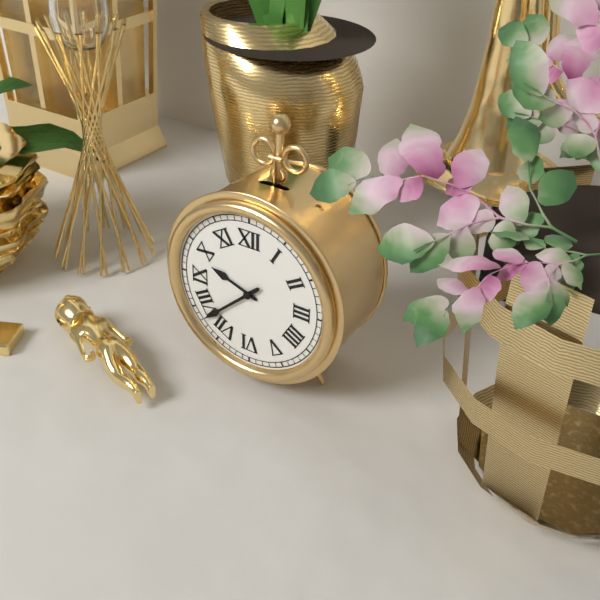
9:38
